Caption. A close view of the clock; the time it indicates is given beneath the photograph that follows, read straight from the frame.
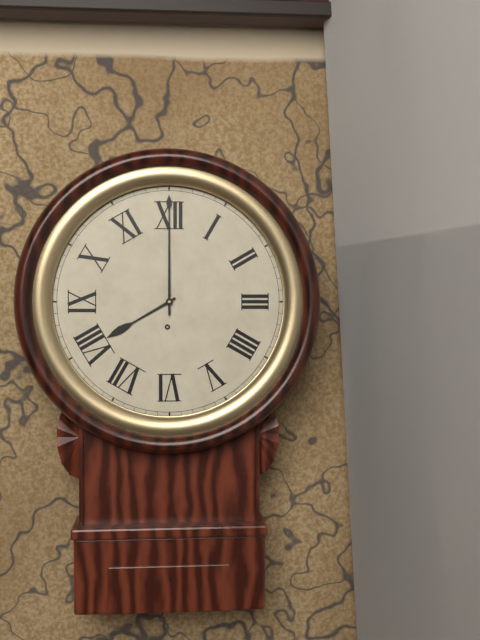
8:00
